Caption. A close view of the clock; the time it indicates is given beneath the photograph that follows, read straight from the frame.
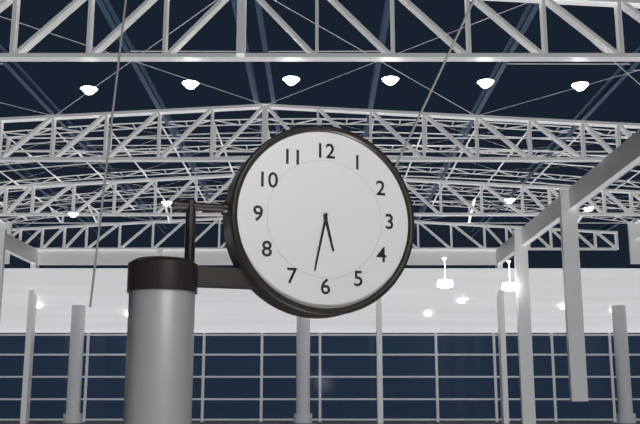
5:32
